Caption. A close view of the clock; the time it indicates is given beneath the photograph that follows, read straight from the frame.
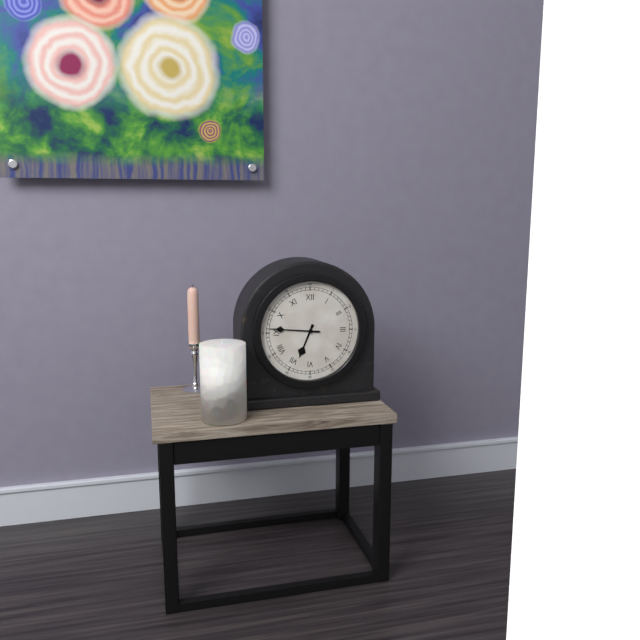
6:46
